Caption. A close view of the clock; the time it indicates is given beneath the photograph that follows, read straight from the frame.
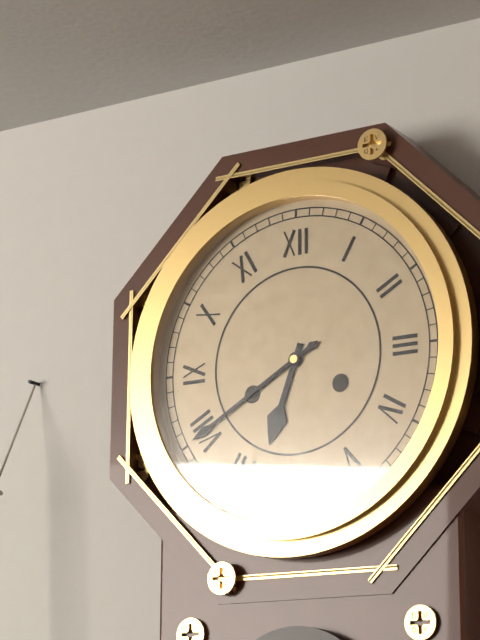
6:40
